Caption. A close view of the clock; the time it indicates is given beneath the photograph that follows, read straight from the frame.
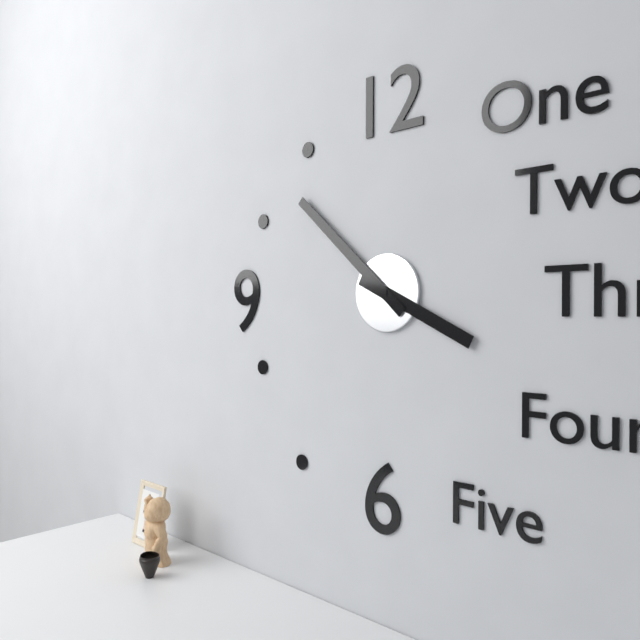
3:52
